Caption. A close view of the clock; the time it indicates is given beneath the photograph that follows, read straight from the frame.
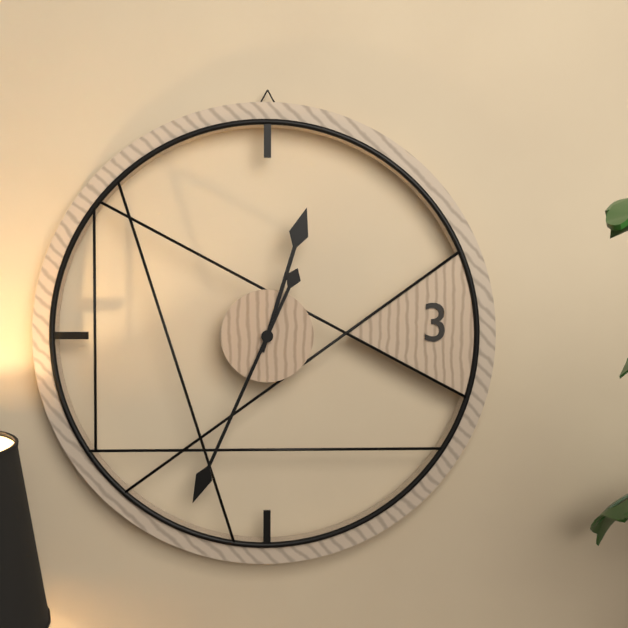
12:34
